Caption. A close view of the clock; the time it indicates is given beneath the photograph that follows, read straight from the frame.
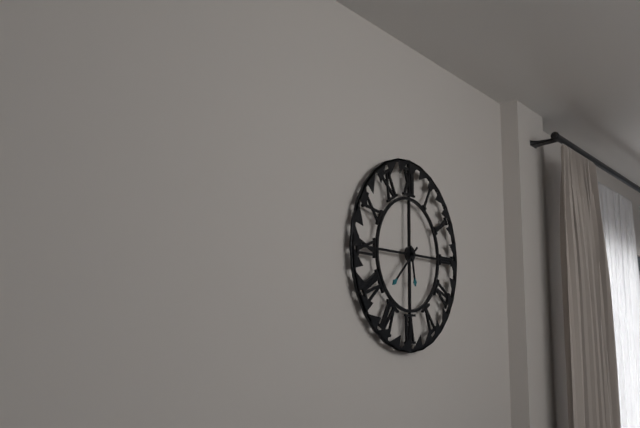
5:38
